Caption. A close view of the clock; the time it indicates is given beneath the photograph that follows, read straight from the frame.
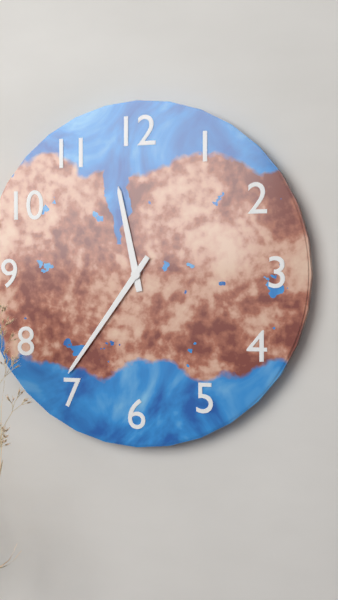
11:36
